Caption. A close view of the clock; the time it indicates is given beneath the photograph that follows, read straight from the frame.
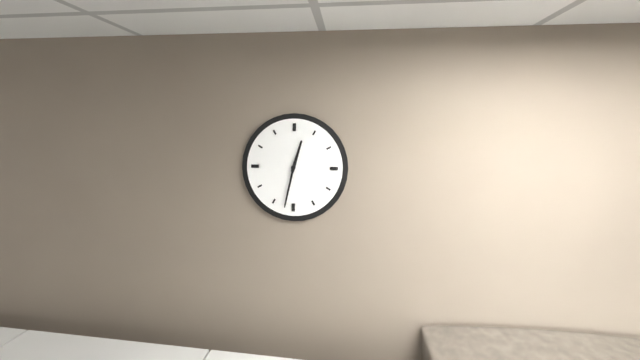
12:32
